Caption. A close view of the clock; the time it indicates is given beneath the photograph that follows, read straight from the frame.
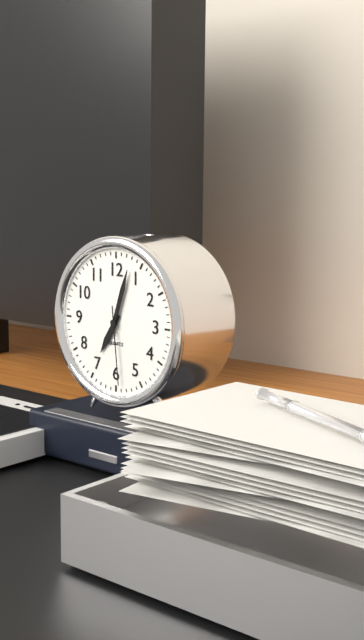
7:03:29
